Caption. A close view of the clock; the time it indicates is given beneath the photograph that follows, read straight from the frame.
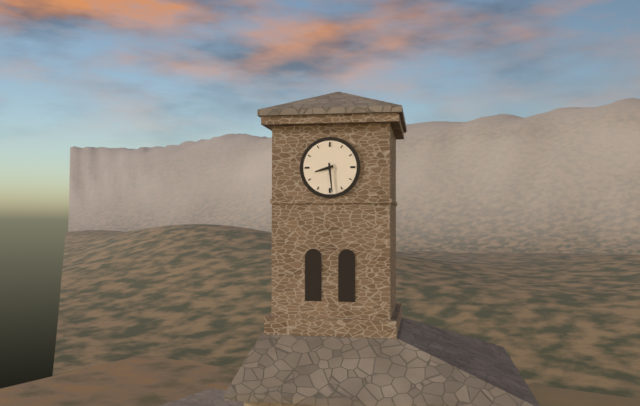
8:29
